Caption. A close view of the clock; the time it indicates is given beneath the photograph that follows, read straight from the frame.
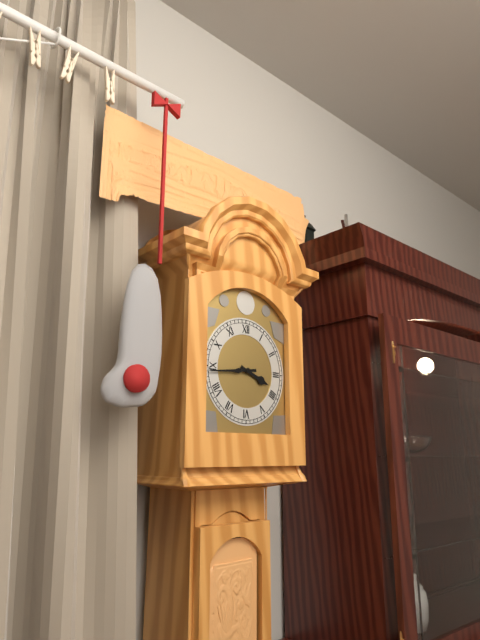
3:44
